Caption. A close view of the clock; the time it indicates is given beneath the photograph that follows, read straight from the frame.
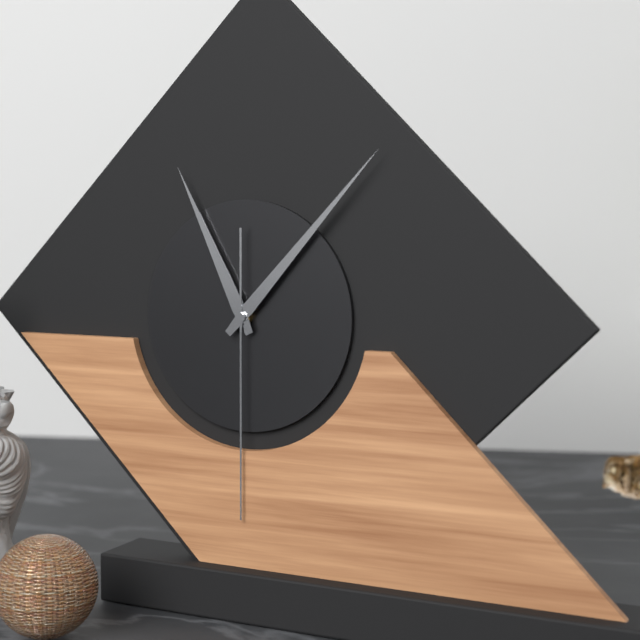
11:07:30
